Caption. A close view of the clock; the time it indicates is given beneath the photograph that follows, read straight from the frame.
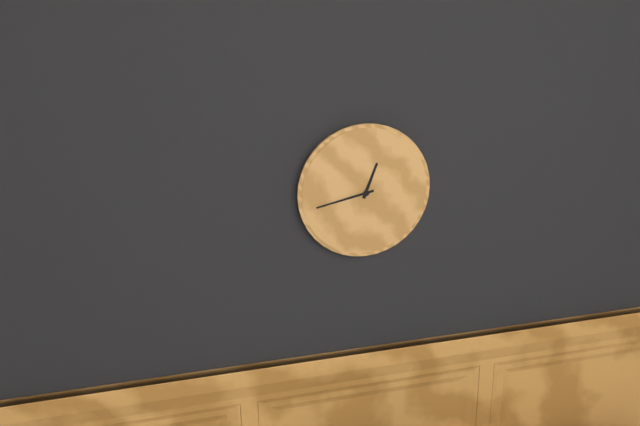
12:43
